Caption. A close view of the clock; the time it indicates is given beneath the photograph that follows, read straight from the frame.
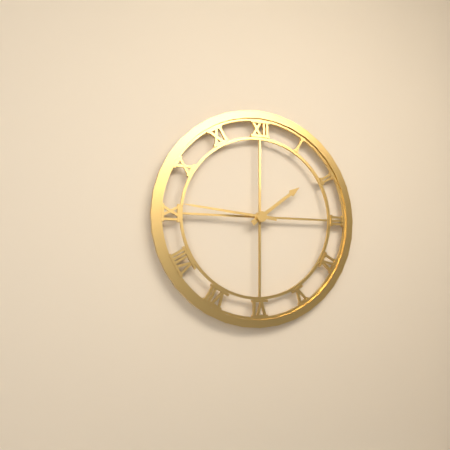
1:46
